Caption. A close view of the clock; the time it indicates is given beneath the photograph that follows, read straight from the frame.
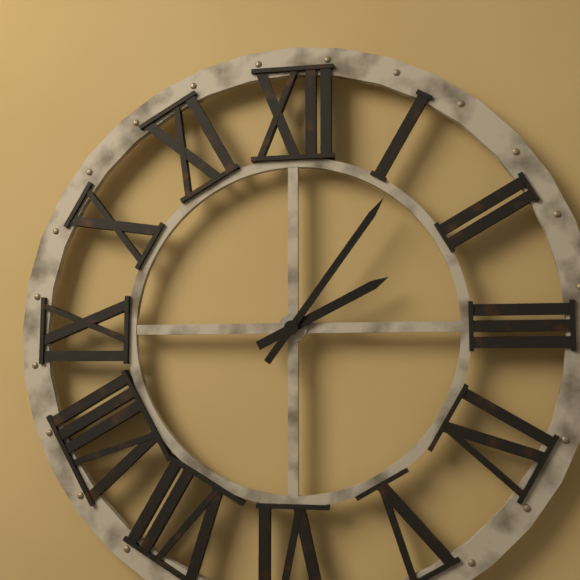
2:06
